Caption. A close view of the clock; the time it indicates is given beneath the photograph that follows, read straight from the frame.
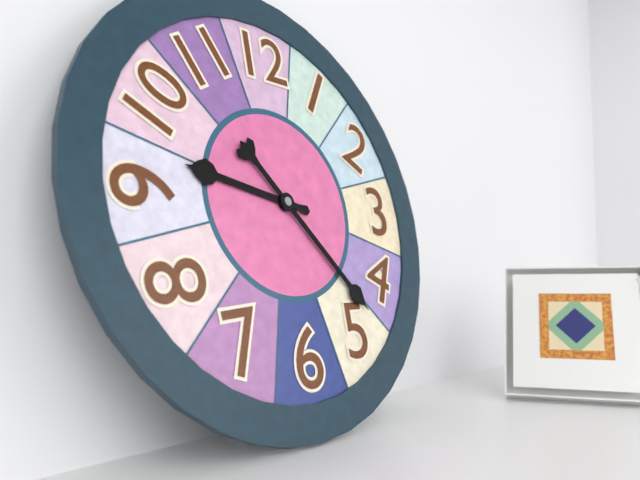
9:23
